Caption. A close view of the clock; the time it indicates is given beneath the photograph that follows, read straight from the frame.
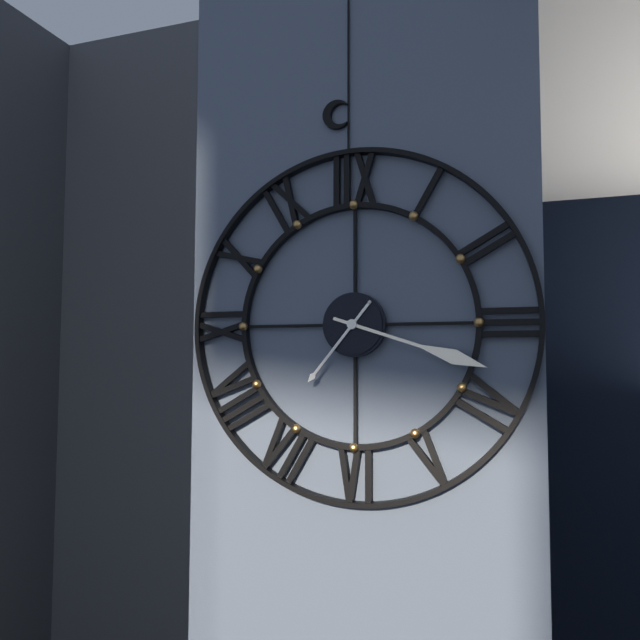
7:18
